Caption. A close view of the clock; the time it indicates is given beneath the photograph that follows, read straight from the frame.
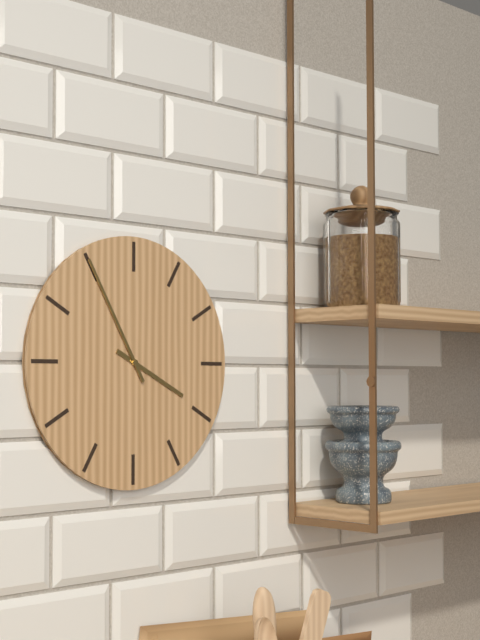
3:55
